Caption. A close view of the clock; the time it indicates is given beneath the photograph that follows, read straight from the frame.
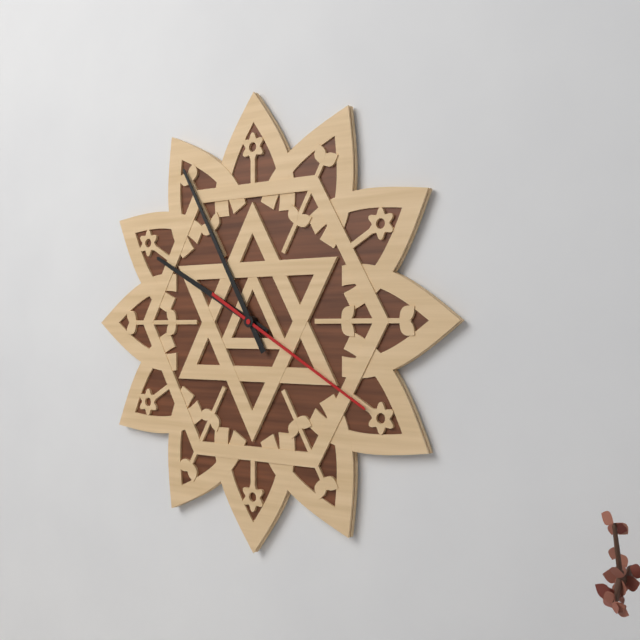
9:55:20
